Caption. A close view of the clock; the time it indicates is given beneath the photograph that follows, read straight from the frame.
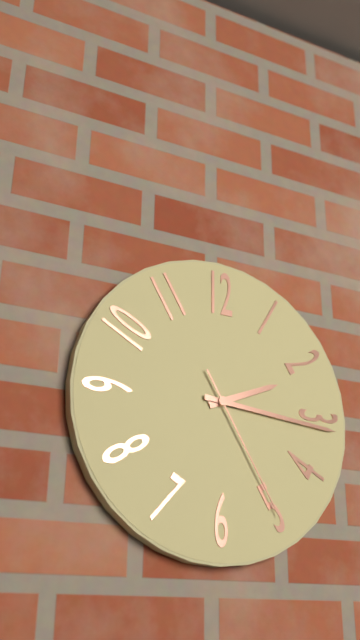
2:16:25
